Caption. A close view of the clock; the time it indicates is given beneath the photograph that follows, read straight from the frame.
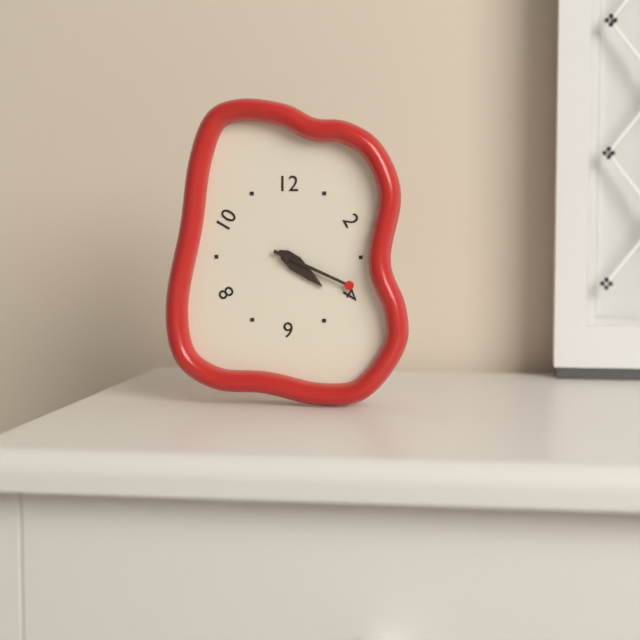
4:19
